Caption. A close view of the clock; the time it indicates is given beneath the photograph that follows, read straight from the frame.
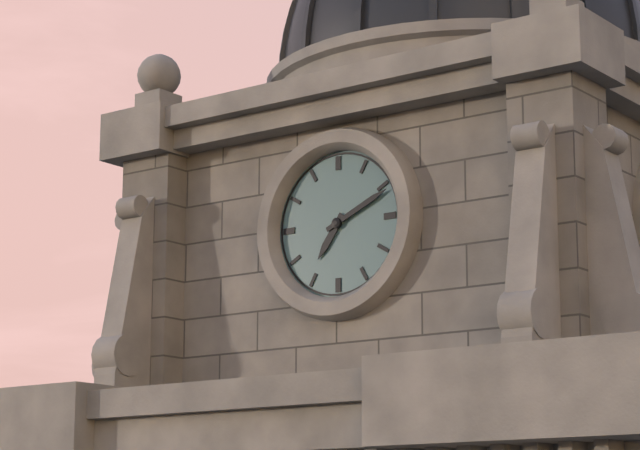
7:11
